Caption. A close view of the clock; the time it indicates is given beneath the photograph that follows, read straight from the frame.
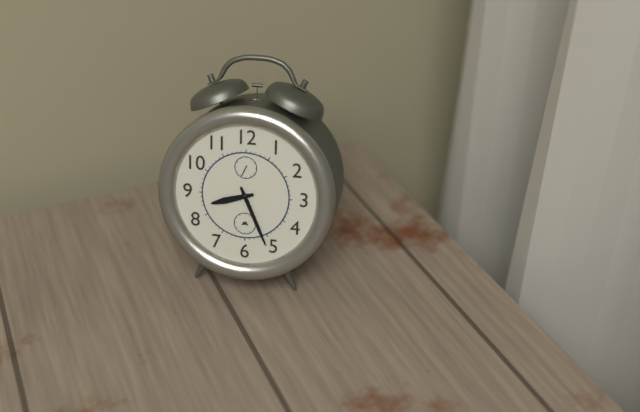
8:26
